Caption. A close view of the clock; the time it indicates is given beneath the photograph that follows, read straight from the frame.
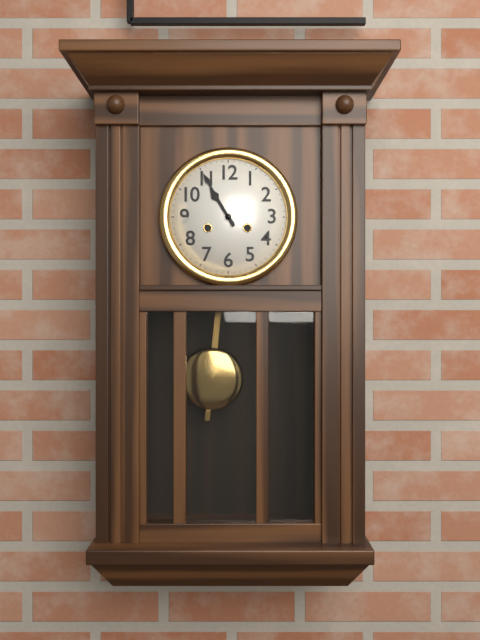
10:55
